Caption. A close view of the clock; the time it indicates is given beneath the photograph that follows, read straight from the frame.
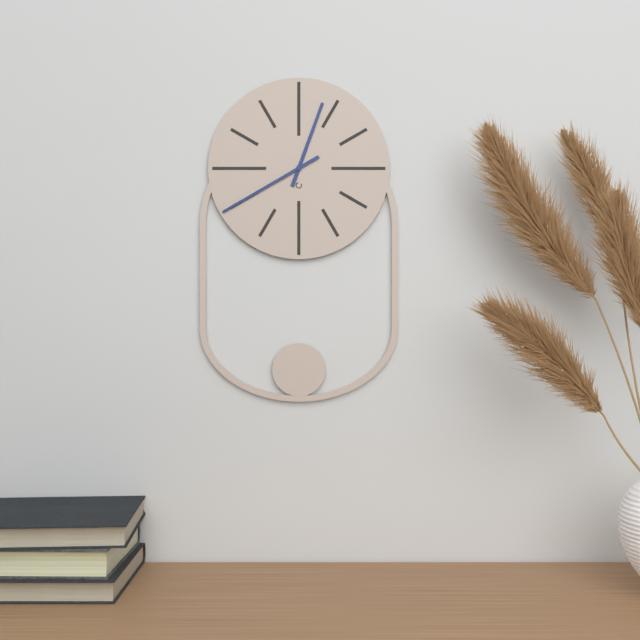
12:40
